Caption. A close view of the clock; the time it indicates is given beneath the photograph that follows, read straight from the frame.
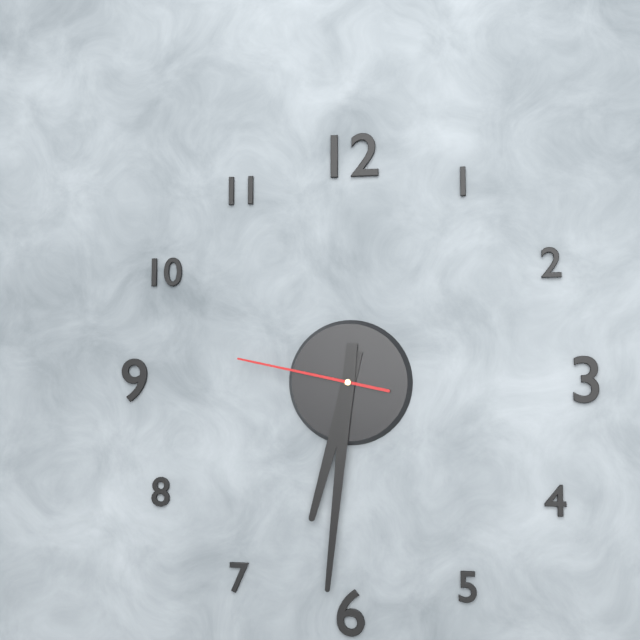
6:31:47
